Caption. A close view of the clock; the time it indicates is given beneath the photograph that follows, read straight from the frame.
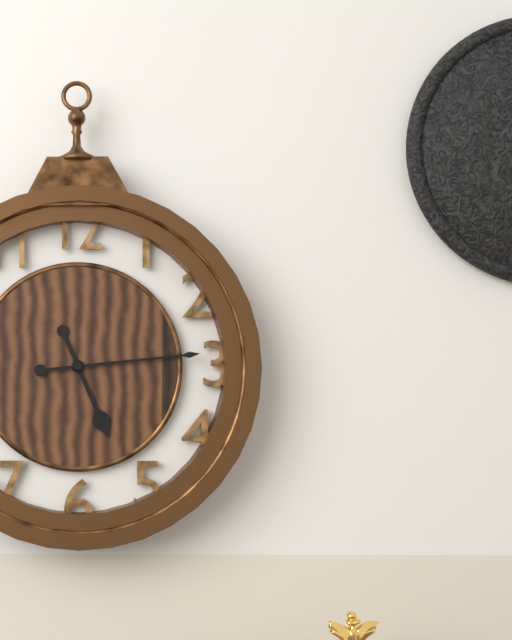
5:14
